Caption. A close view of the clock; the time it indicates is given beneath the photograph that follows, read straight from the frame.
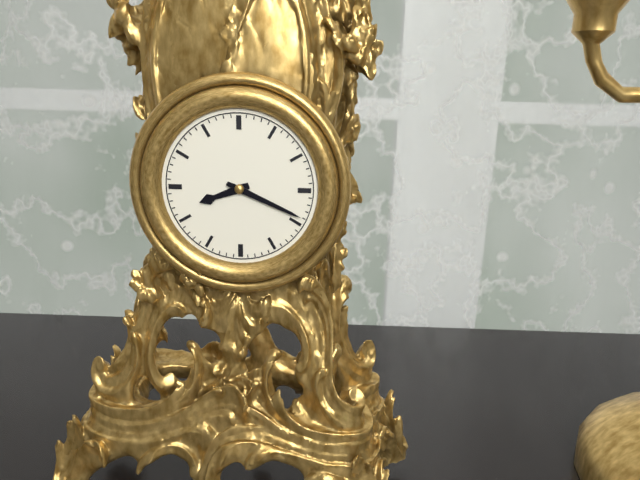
8:19
